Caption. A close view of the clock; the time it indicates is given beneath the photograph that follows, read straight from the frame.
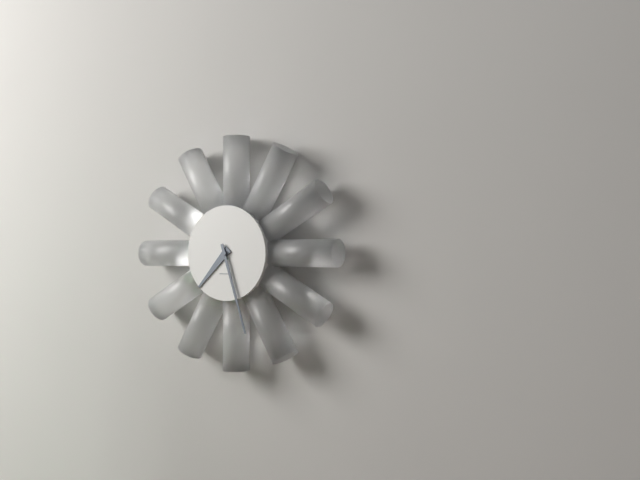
7:27
